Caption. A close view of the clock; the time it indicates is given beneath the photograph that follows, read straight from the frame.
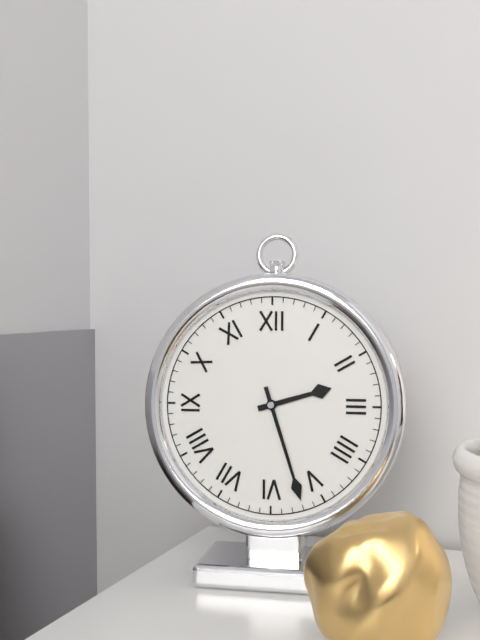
2:27
